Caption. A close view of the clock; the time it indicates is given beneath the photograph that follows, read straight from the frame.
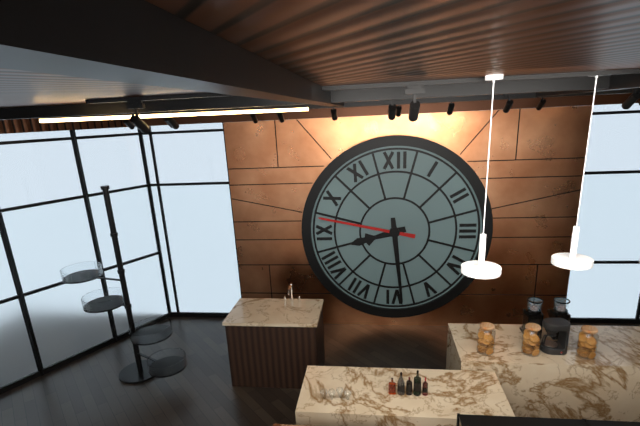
8:29:47
